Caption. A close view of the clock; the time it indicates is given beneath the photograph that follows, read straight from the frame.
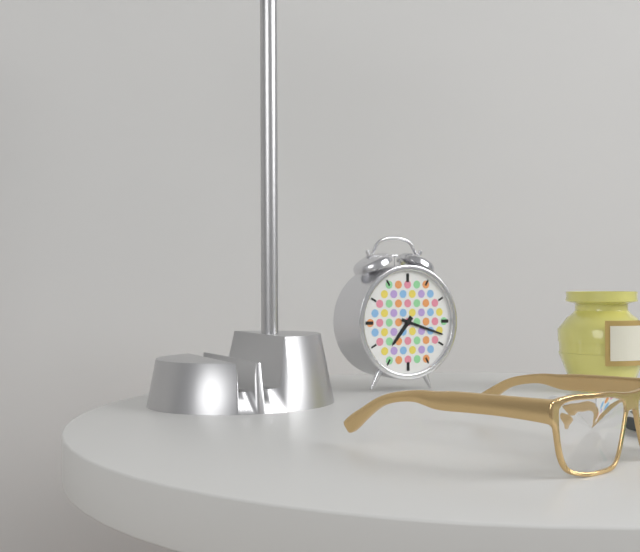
7:18
